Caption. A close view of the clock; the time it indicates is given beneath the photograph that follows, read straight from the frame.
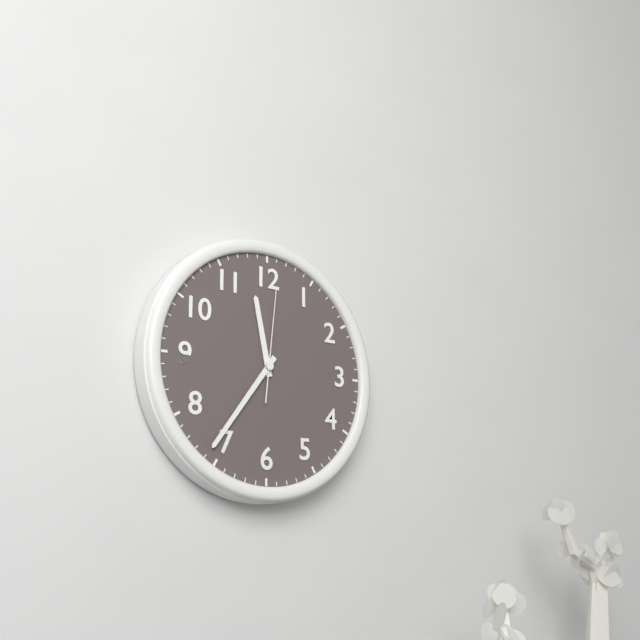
11:36:01
